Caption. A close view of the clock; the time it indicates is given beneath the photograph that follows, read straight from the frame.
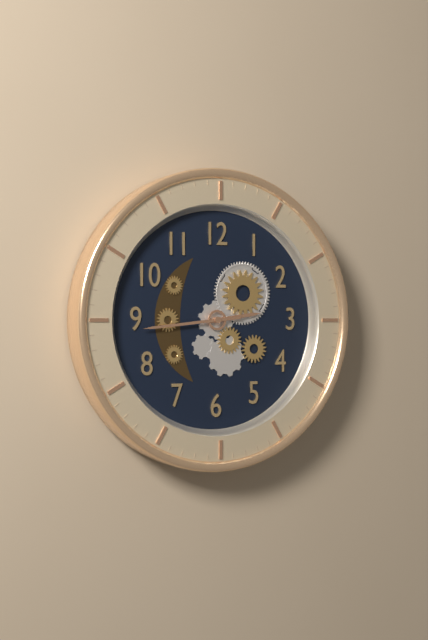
2:44
